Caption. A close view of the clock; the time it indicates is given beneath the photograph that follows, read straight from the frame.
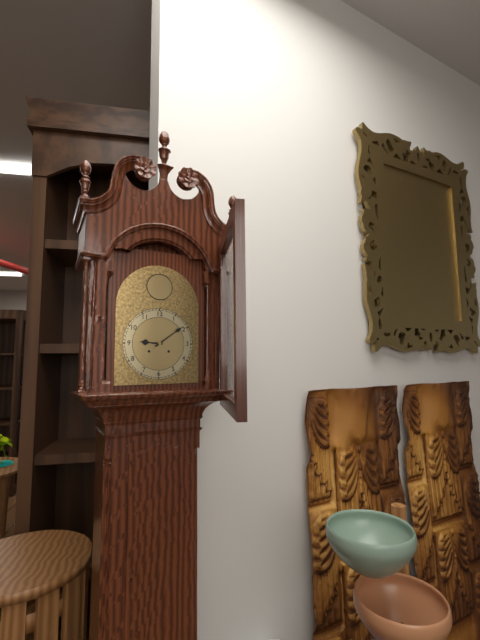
9:09
